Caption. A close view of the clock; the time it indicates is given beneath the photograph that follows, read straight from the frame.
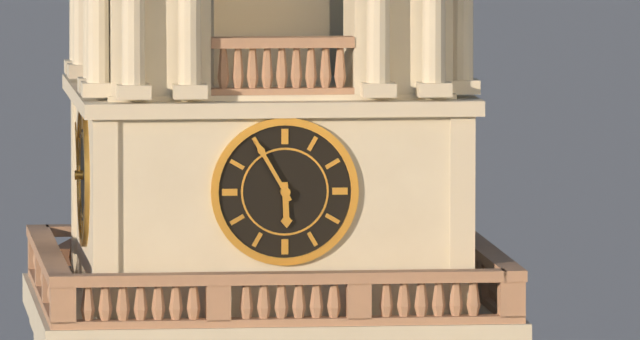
5:55
